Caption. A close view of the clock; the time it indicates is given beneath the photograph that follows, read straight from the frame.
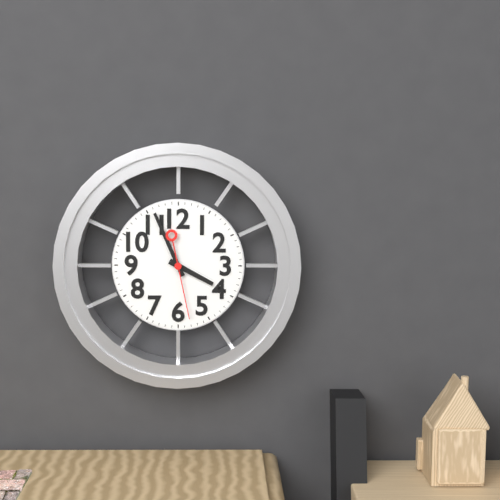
3:56:28
